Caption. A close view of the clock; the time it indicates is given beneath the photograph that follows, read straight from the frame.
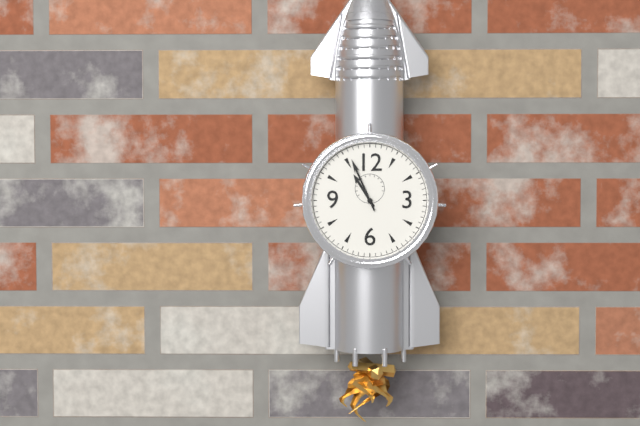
10:56
